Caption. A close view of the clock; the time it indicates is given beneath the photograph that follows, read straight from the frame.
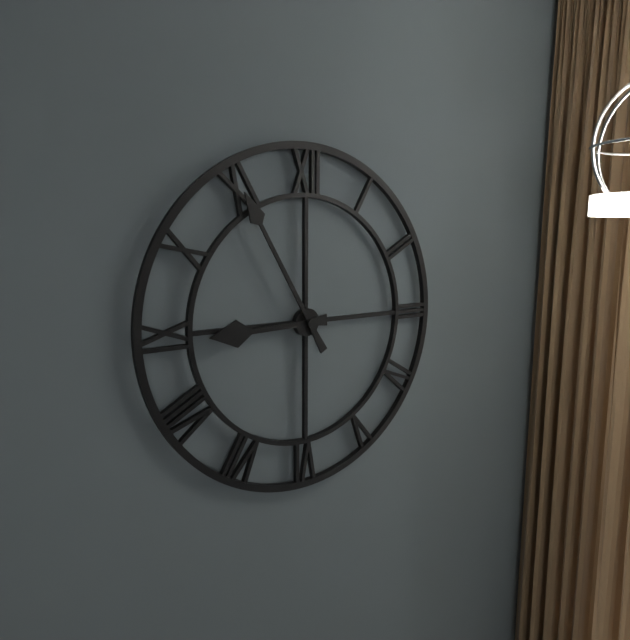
8:55
